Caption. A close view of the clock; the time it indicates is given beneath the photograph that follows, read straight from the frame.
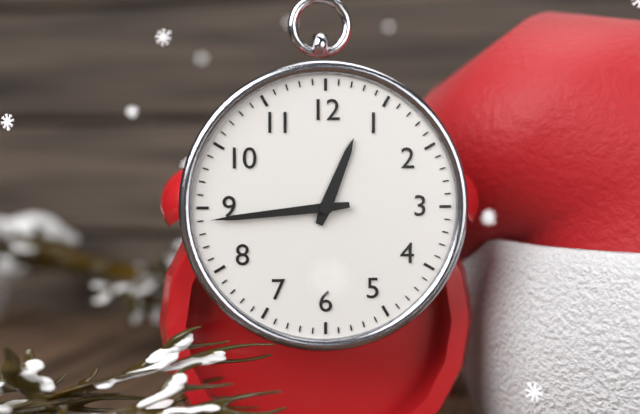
12:44
